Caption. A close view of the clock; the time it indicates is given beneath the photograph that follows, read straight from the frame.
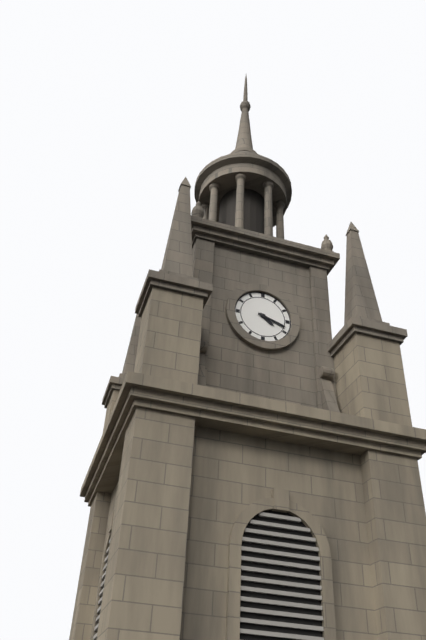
4:18
